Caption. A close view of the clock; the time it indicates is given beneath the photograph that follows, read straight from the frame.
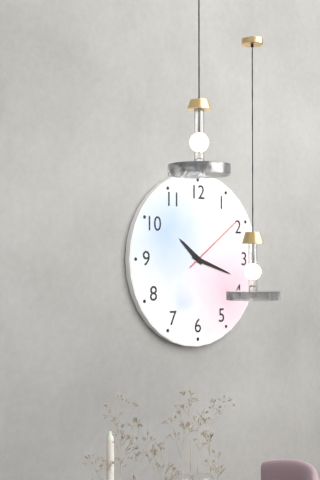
10:18:09
